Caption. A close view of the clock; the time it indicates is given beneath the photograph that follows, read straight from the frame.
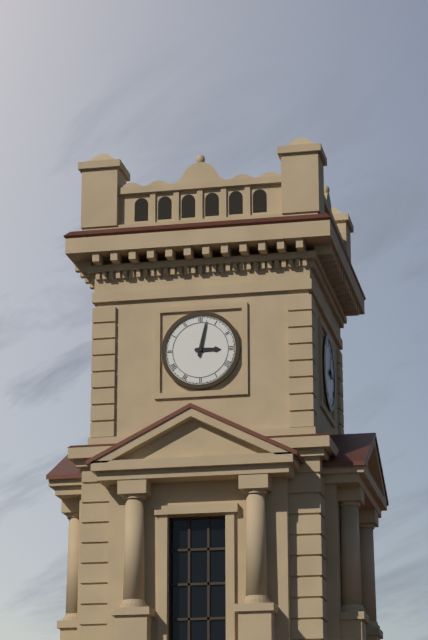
3:02
